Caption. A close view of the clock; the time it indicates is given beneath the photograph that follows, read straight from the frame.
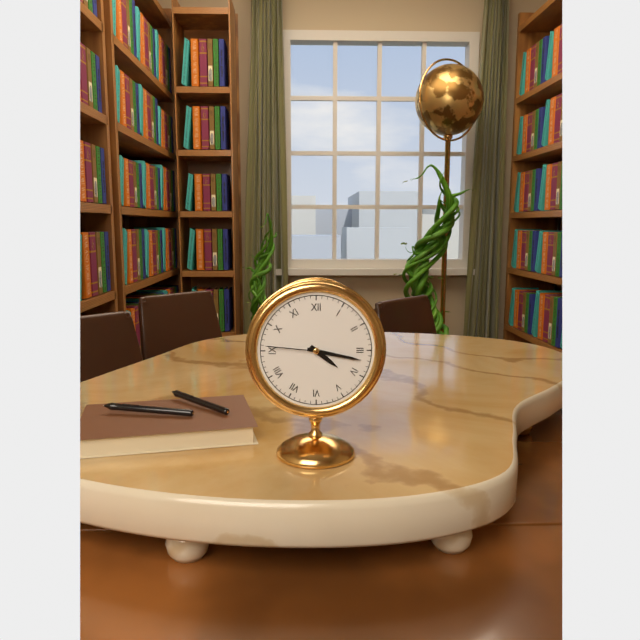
4:17:46
